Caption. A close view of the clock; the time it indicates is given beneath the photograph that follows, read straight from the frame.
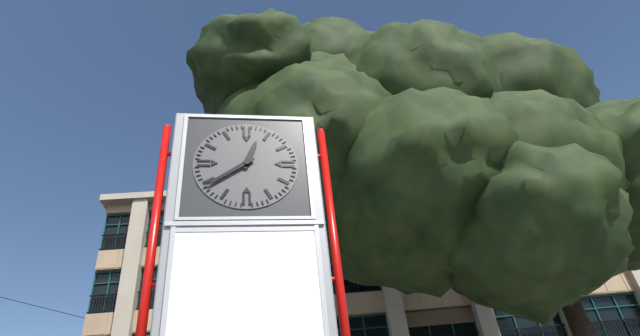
12:39
